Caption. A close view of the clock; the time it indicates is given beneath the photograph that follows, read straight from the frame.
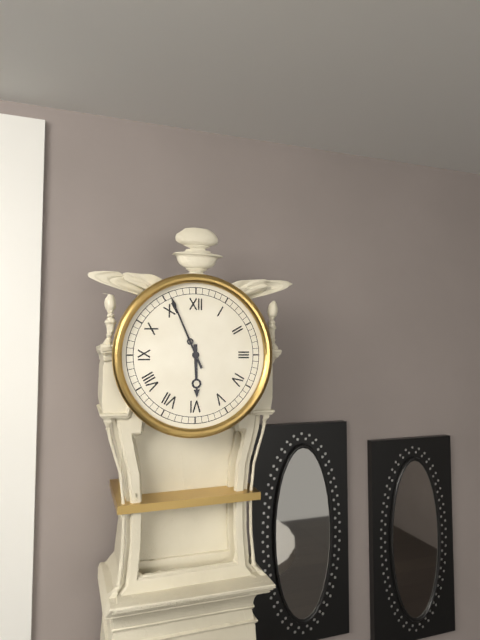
5:56
